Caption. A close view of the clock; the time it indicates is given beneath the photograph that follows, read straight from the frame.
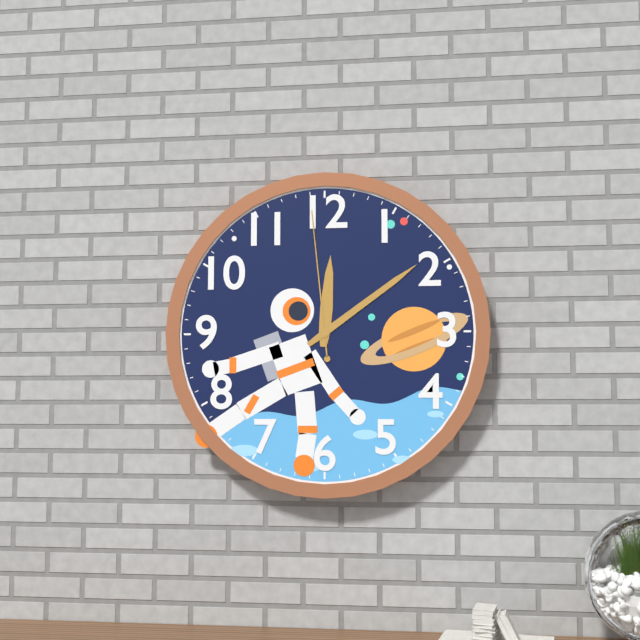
12:09:59
